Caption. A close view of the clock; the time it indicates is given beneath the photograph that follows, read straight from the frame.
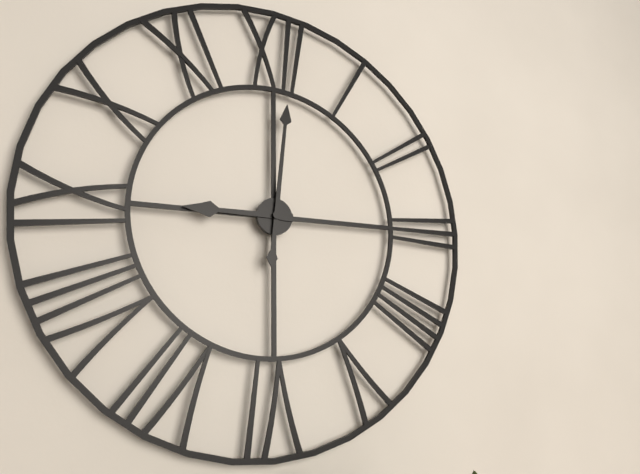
9:01
